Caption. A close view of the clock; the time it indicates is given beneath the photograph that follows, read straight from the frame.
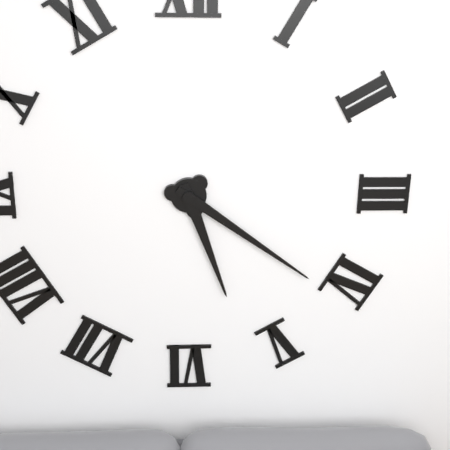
5:21
